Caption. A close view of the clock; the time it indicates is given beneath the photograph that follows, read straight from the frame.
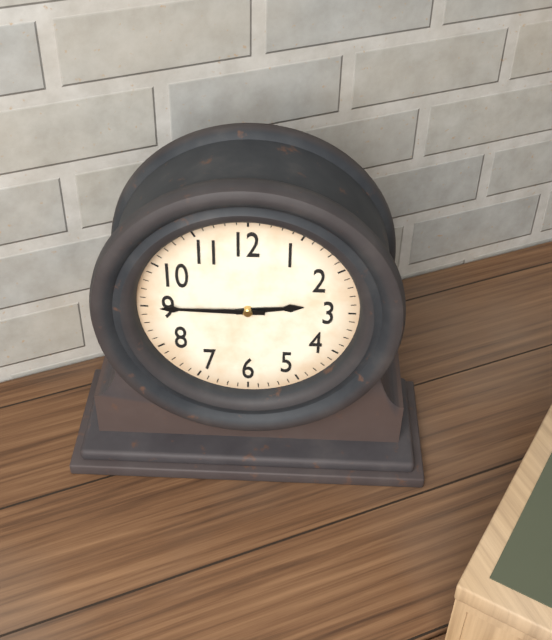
2:45
